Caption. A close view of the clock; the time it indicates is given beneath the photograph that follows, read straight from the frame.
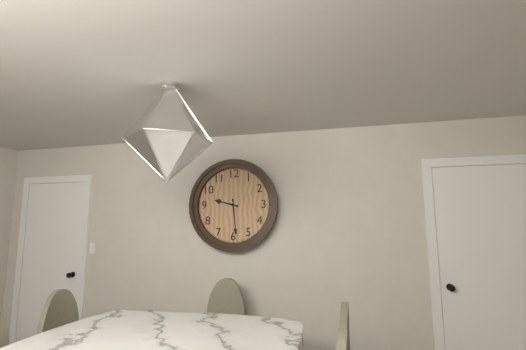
9:29
